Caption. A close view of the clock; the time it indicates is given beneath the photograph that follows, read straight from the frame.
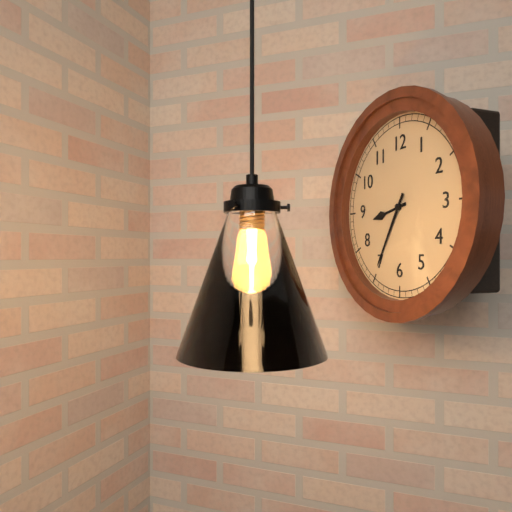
8:35
